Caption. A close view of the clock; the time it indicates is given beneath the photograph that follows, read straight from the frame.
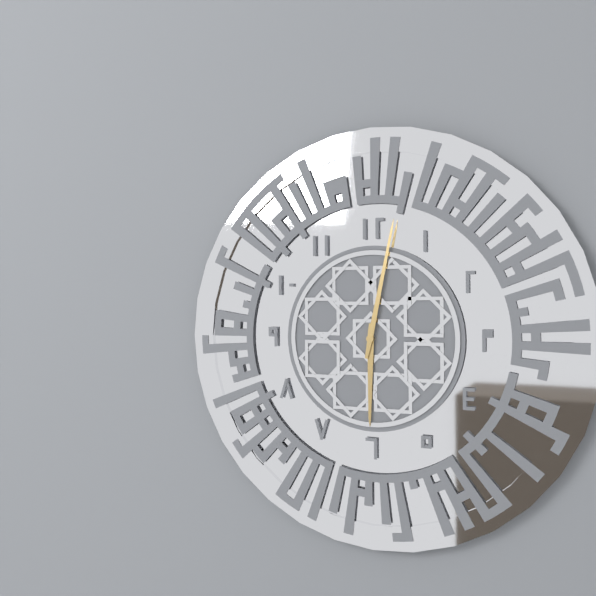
6:02
